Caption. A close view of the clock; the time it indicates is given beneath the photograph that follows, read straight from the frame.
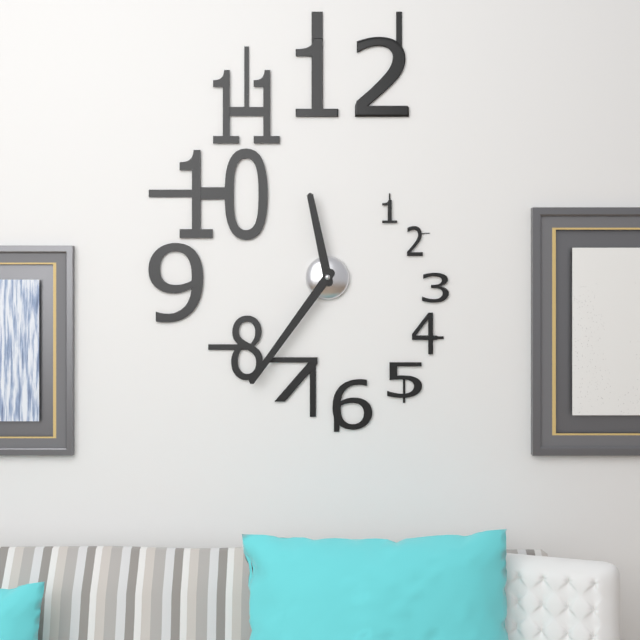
11:36
